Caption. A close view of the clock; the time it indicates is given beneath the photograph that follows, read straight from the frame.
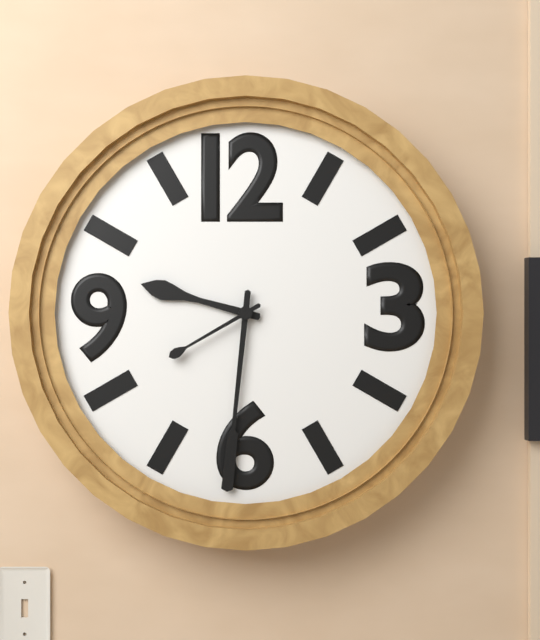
9:31:40
